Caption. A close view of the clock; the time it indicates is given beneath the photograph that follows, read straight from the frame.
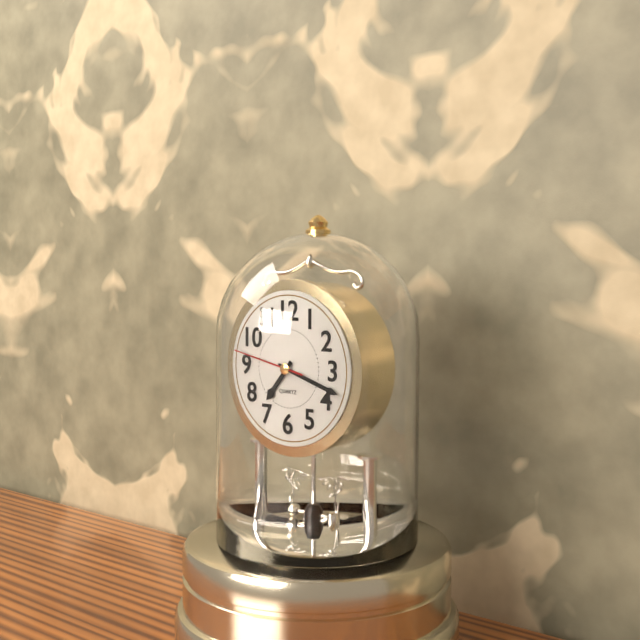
7:18:47
